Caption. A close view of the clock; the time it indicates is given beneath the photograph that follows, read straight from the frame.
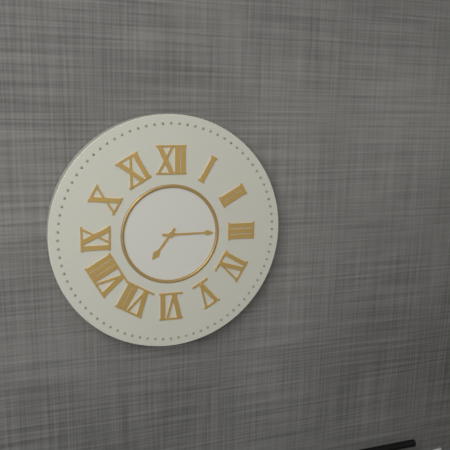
7:15
